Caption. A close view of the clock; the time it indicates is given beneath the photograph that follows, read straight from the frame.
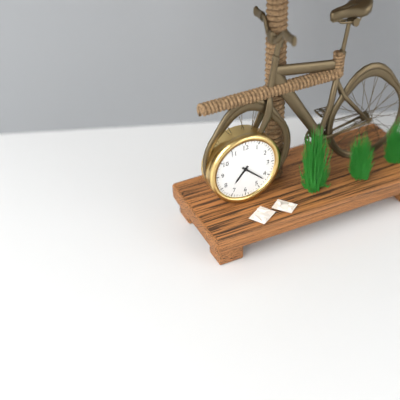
7:22
